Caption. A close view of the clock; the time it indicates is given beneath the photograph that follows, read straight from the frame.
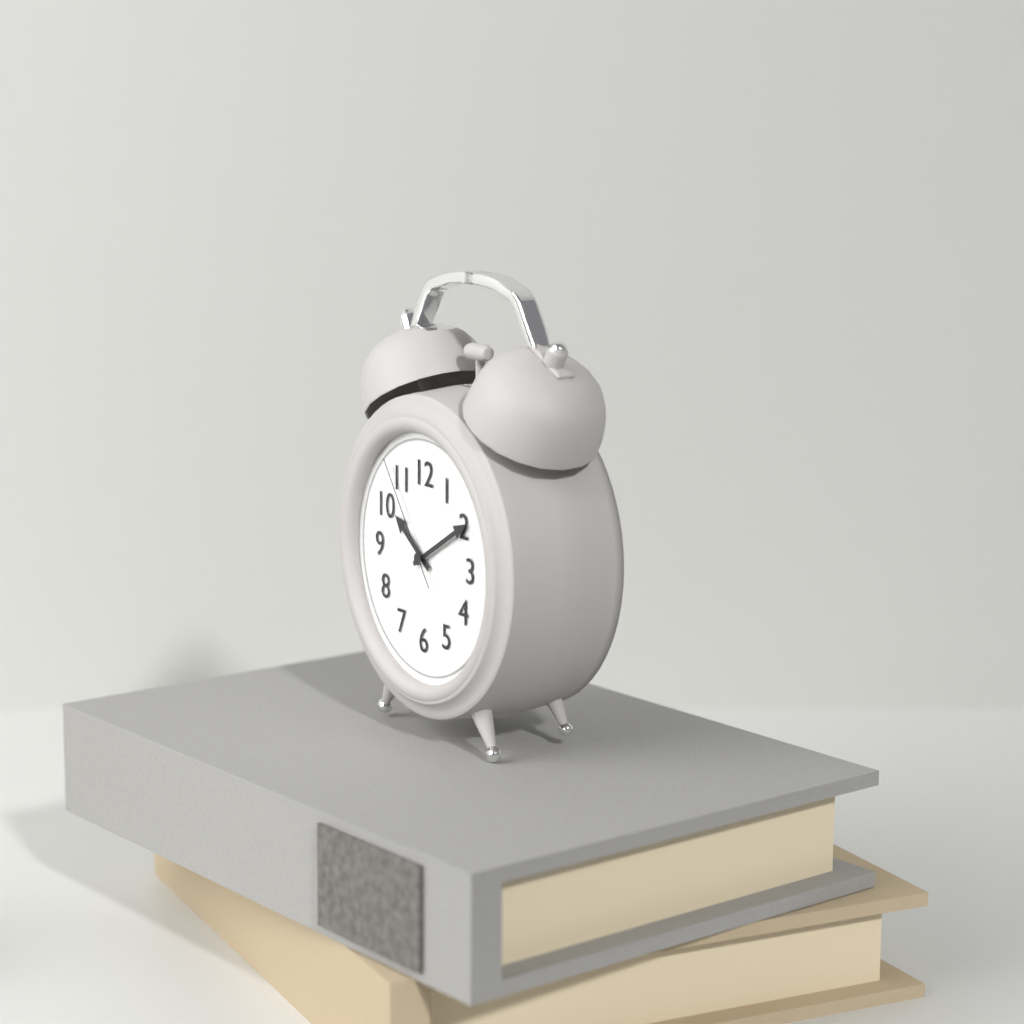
10:10:54
